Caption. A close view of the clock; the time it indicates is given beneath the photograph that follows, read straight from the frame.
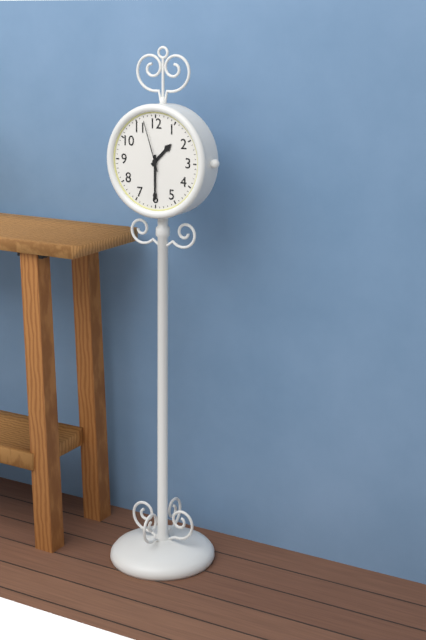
1:30:57
